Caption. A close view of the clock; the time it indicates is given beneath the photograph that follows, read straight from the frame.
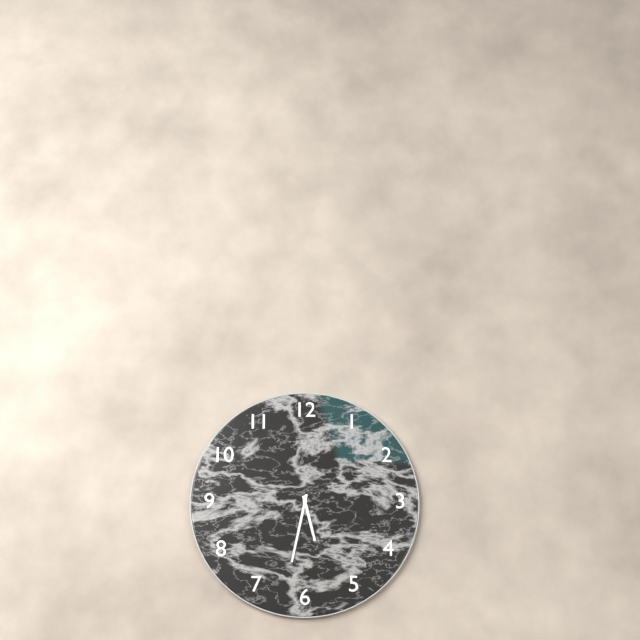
5:32
